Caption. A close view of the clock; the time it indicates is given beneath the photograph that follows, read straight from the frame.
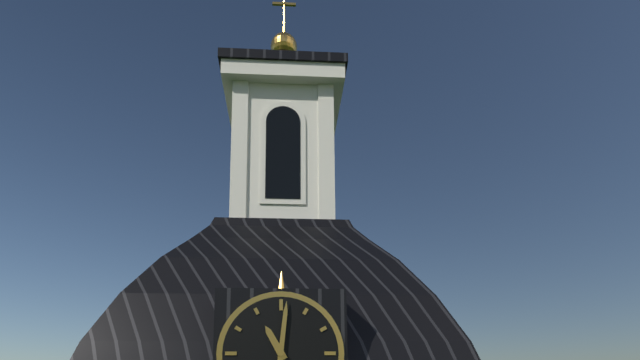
11:01
